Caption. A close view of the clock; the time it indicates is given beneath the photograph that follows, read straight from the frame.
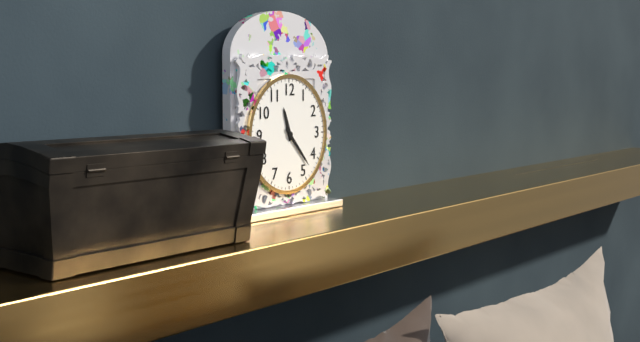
11:23
